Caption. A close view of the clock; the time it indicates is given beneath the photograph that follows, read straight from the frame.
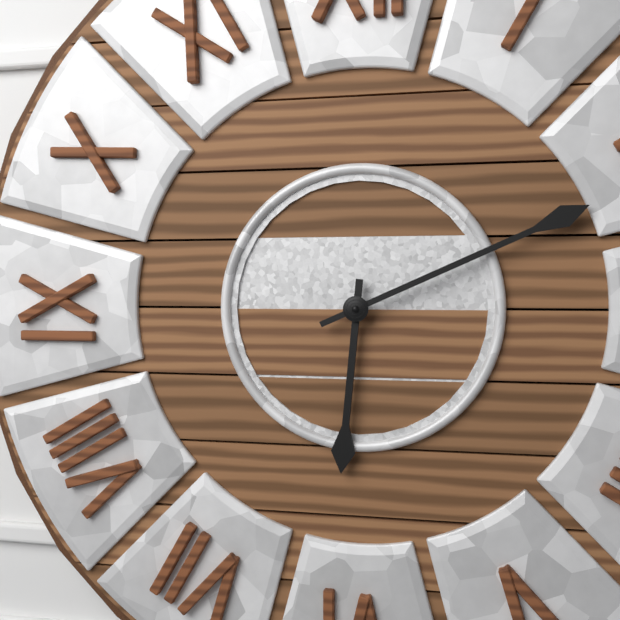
6:11
